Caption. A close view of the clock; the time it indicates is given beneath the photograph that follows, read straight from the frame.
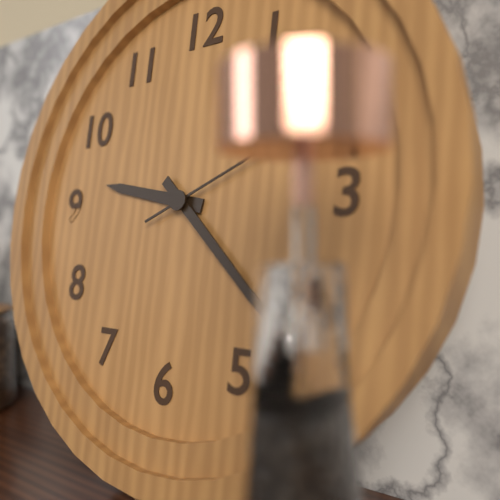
9:22
